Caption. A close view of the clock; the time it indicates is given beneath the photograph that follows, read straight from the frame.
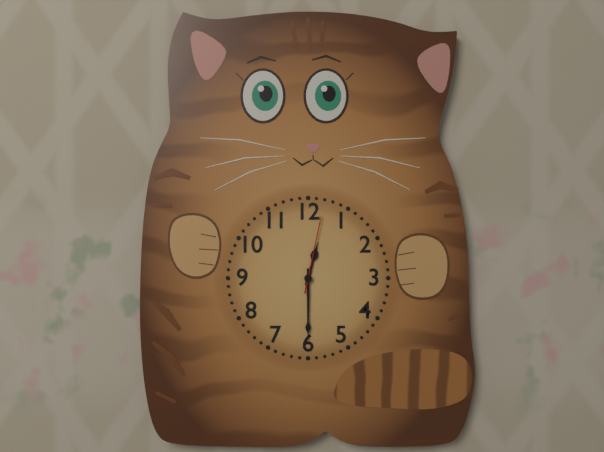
12:30:02
